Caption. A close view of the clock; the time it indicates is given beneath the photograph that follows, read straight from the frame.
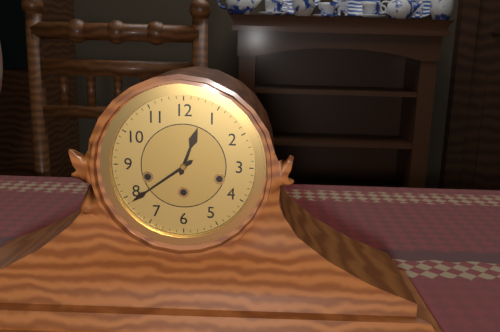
12:39
